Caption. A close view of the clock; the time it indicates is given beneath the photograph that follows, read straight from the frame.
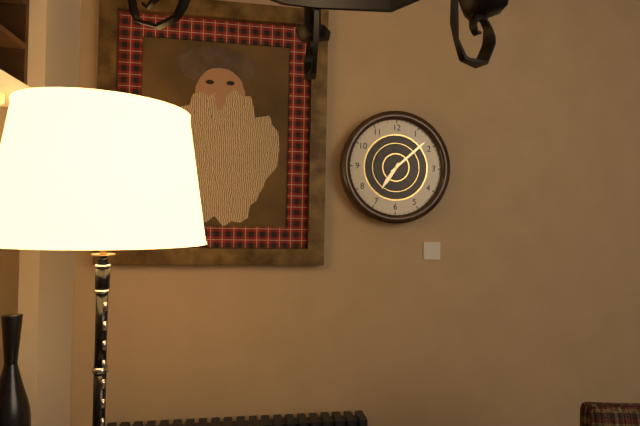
7:08
